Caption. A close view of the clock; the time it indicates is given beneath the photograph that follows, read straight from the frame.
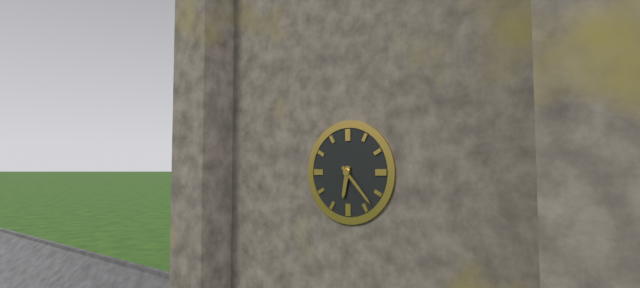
6:23
